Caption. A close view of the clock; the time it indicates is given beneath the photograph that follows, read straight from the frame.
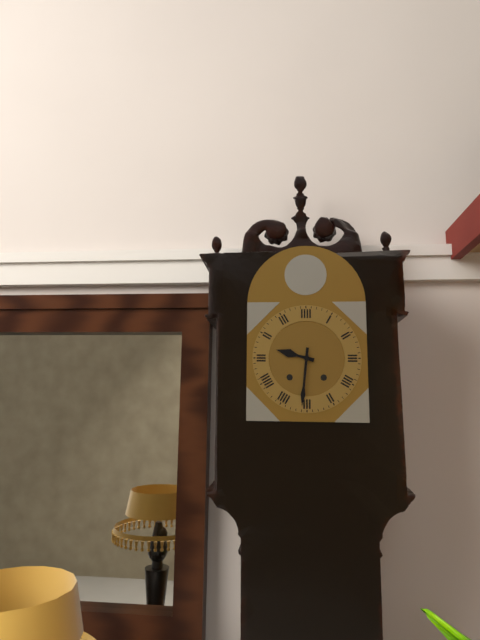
9:31
